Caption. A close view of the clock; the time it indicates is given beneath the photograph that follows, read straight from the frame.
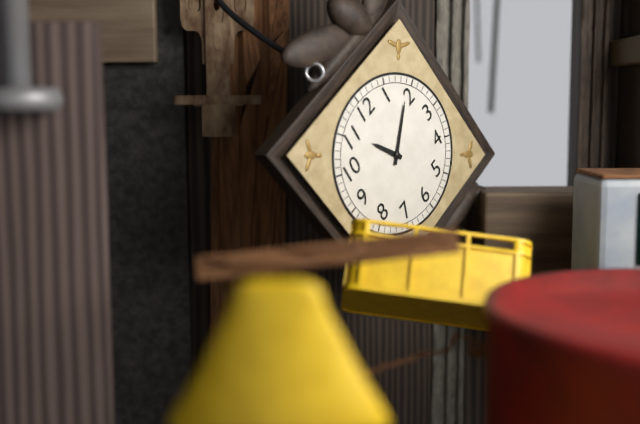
11:09
